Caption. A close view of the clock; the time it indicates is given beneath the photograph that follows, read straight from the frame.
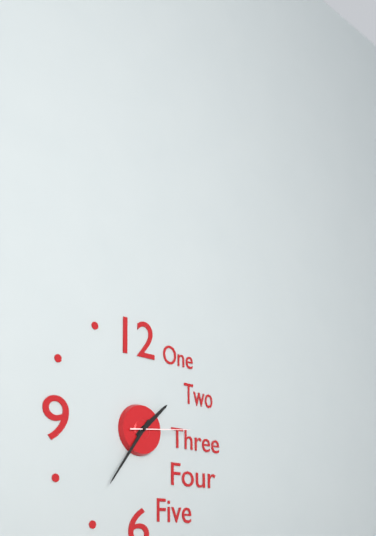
1:36:14
